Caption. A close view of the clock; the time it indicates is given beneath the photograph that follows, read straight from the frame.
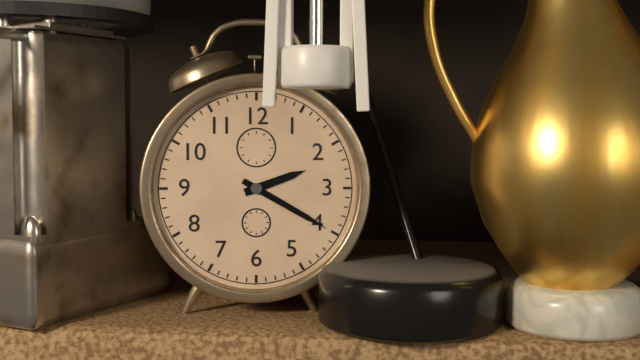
2:20
